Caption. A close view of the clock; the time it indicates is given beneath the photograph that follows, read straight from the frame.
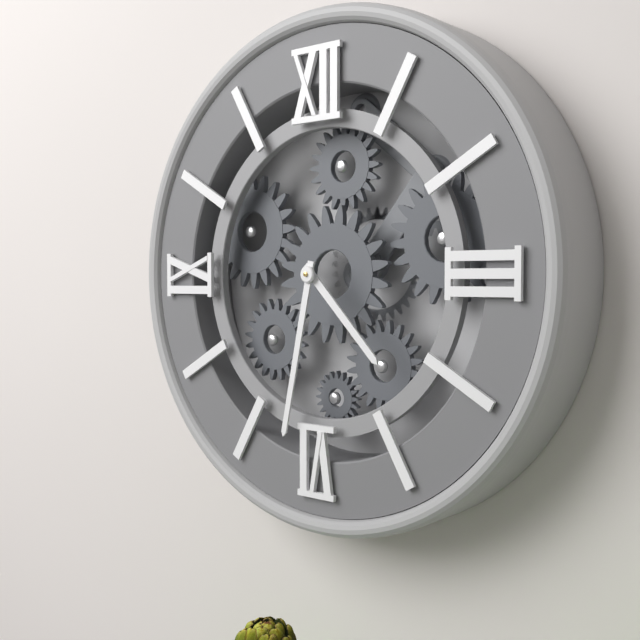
4:32
